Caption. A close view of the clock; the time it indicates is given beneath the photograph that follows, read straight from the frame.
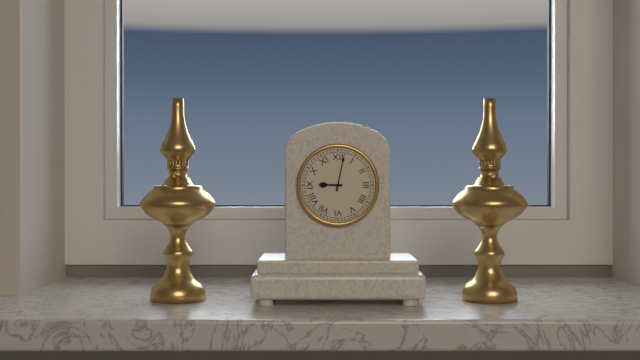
9:02
